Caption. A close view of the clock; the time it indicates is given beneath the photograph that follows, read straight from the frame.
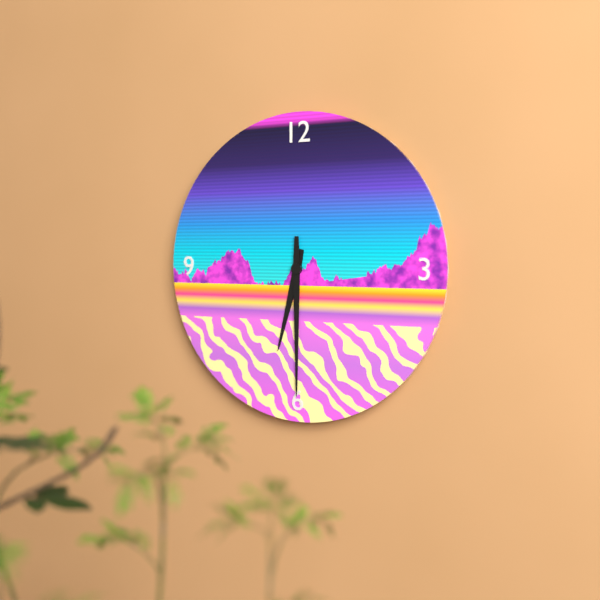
6:30
